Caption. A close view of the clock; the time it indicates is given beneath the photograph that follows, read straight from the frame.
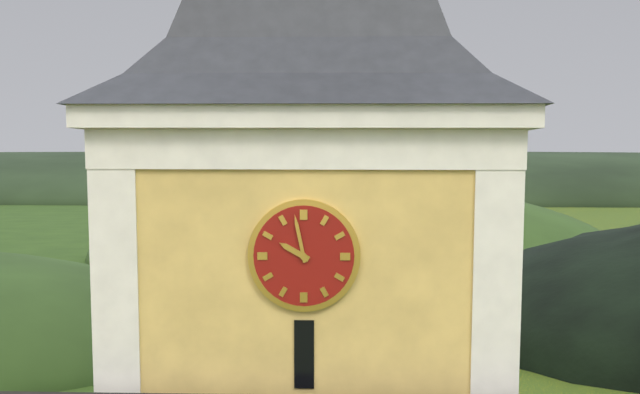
9:58
